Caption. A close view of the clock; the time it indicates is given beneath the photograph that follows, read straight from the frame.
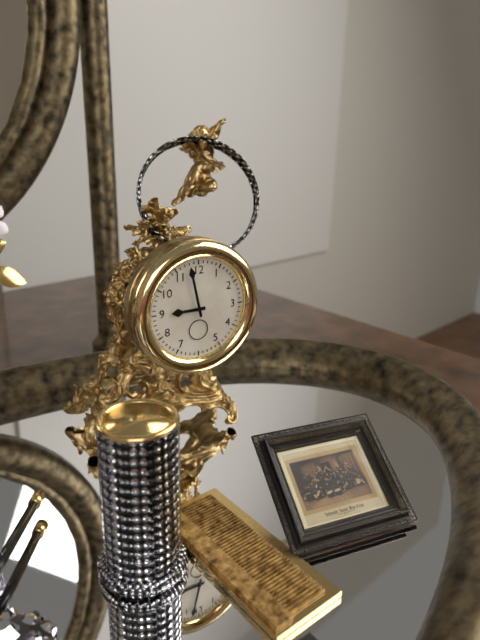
8:58
